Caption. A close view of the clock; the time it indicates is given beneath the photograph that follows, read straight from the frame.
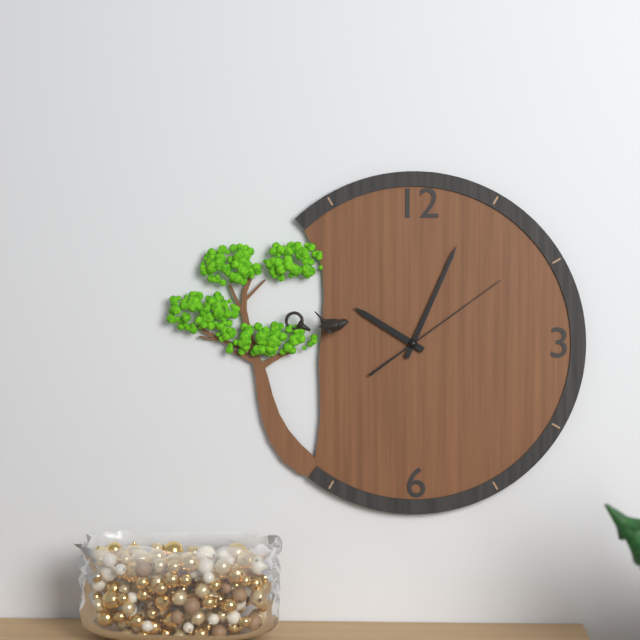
10:04:09
